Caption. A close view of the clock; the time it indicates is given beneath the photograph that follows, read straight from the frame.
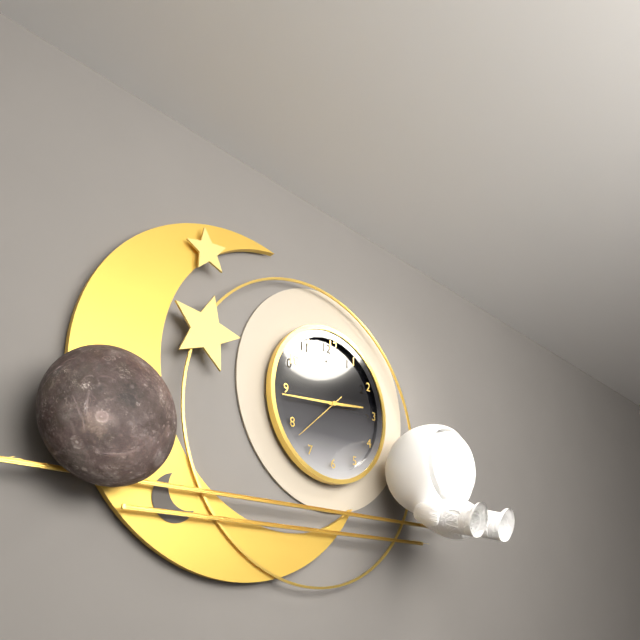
2:44
